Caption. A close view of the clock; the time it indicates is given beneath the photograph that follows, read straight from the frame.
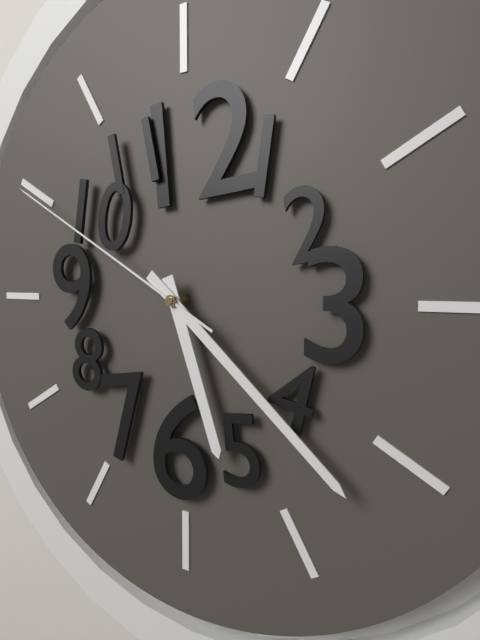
5:22:50
